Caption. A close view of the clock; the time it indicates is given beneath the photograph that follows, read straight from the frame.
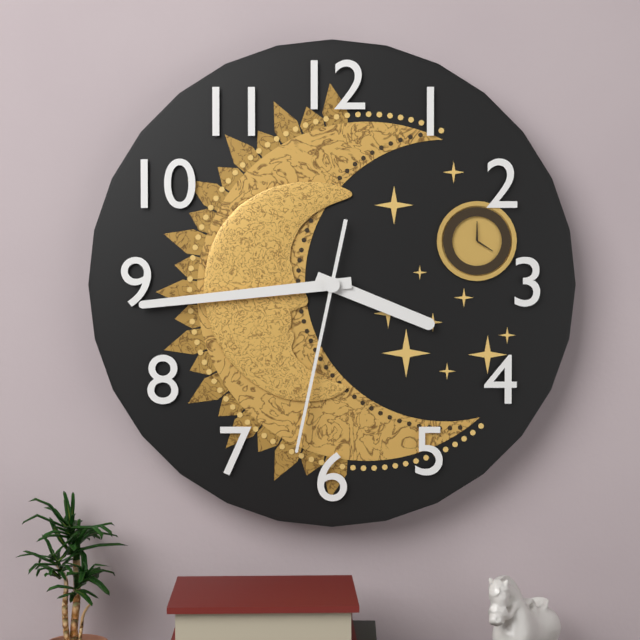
3:44:32
